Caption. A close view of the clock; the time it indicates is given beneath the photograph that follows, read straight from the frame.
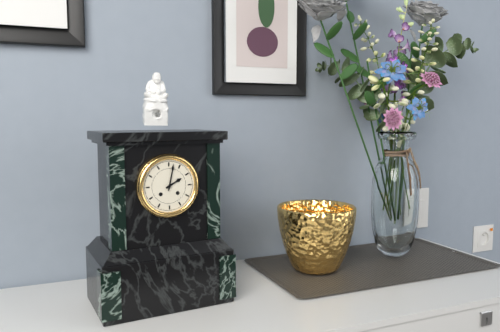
2:02
